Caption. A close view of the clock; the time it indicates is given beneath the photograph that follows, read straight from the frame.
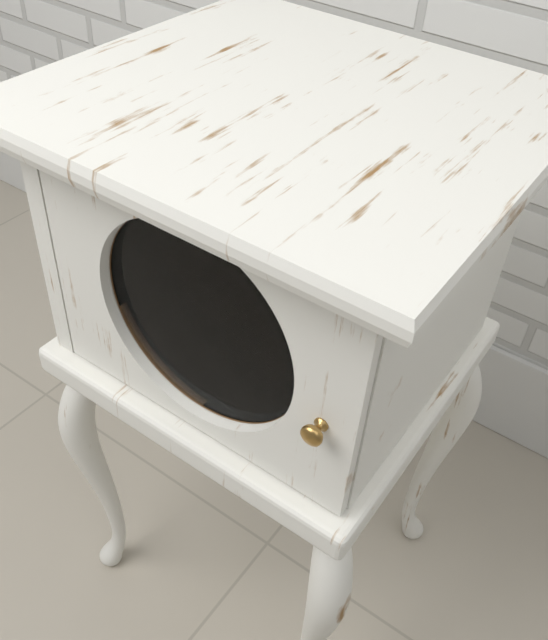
6:22:06
